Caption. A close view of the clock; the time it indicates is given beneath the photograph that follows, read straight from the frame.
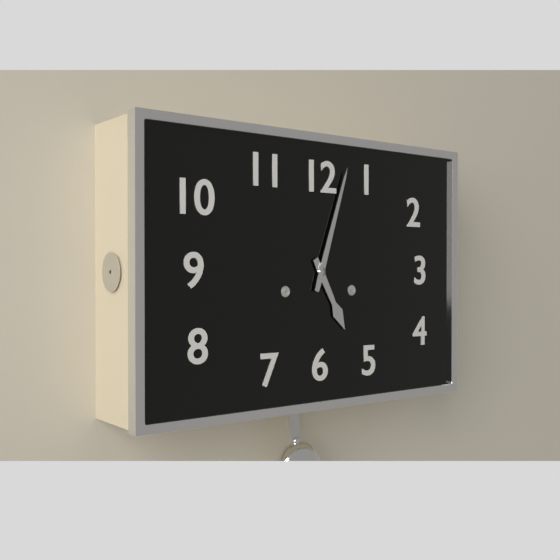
5:03
